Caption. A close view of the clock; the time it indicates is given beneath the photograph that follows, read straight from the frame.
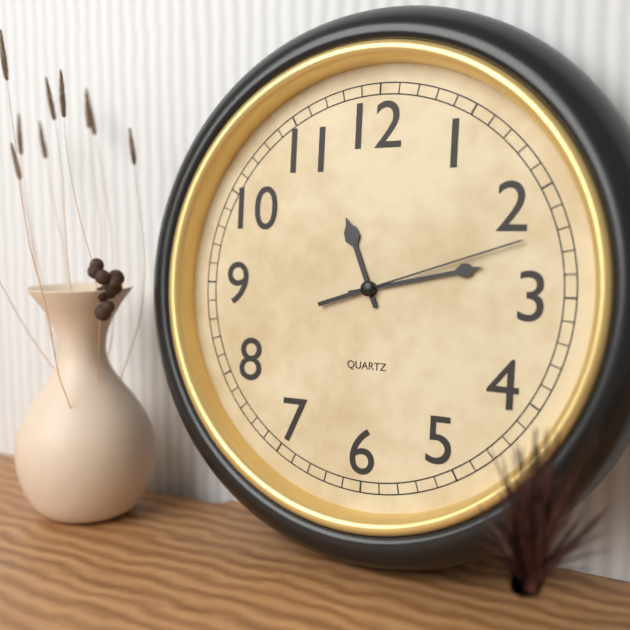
11:13:12
